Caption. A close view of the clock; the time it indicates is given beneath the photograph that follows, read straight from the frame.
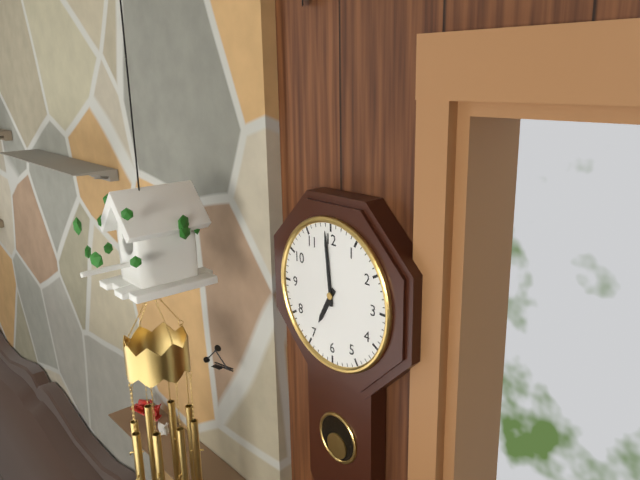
6:59
